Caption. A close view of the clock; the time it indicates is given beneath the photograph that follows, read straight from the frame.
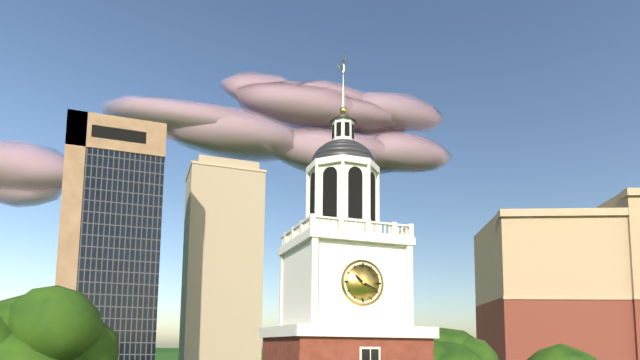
10:19
